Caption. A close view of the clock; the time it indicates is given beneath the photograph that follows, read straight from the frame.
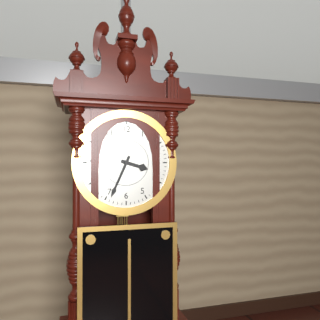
3:34
